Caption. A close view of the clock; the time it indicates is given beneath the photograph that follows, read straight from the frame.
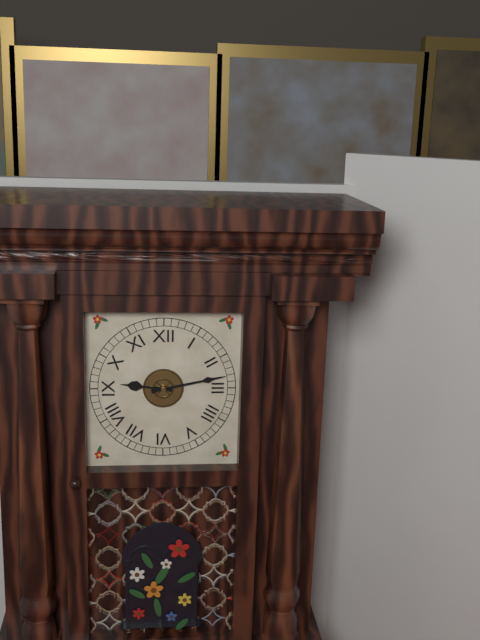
9:13
